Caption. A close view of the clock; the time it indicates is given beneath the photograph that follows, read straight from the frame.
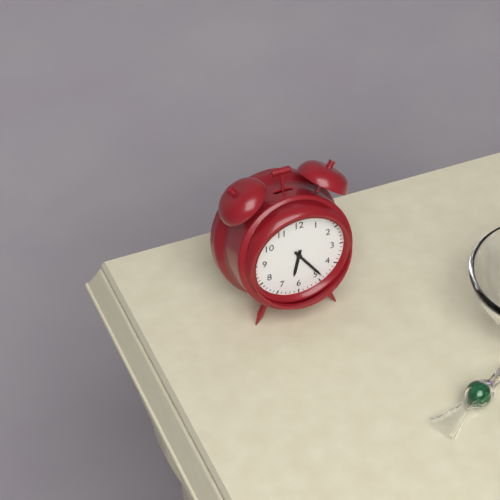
6:24
